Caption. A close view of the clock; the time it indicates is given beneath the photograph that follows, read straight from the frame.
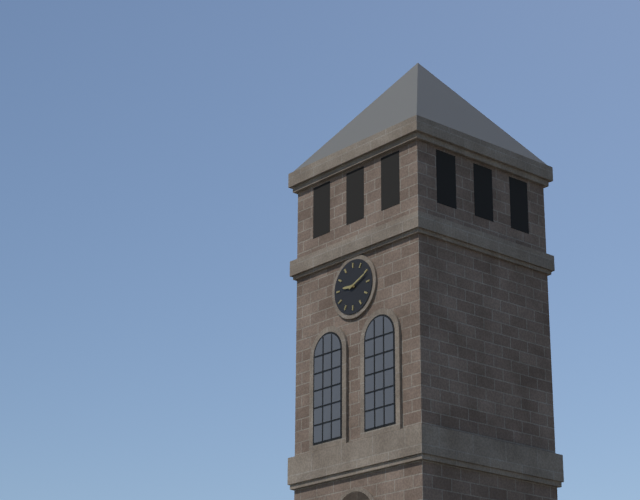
9:11
